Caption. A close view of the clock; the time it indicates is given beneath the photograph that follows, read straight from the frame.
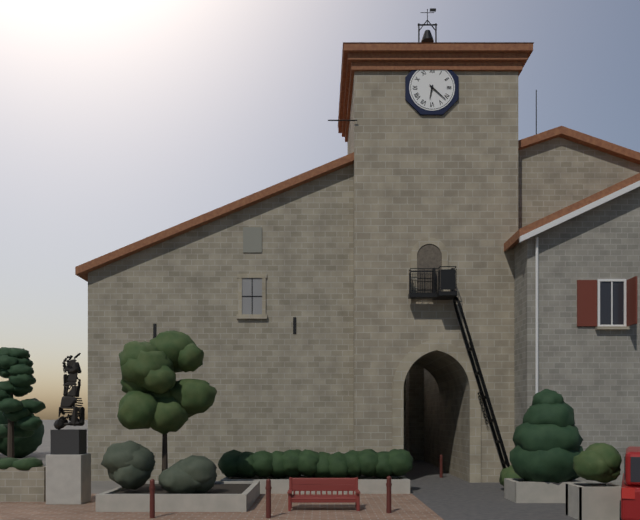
6:22
